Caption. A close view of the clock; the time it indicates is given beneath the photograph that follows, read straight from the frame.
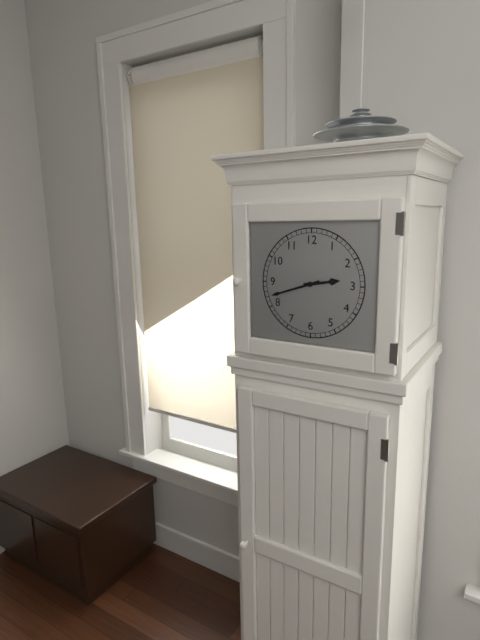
2:42
